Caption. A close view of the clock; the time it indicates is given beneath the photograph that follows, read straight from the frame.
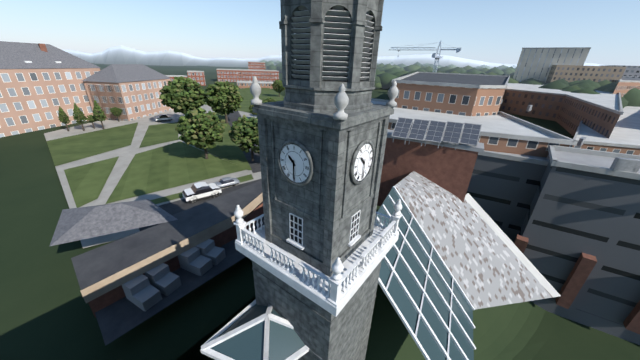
10:30
